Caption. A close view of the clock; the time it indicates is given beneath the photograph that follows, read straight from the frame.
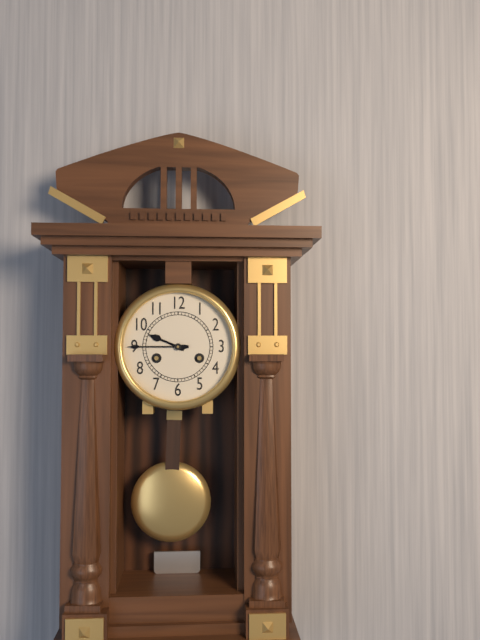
9:45
